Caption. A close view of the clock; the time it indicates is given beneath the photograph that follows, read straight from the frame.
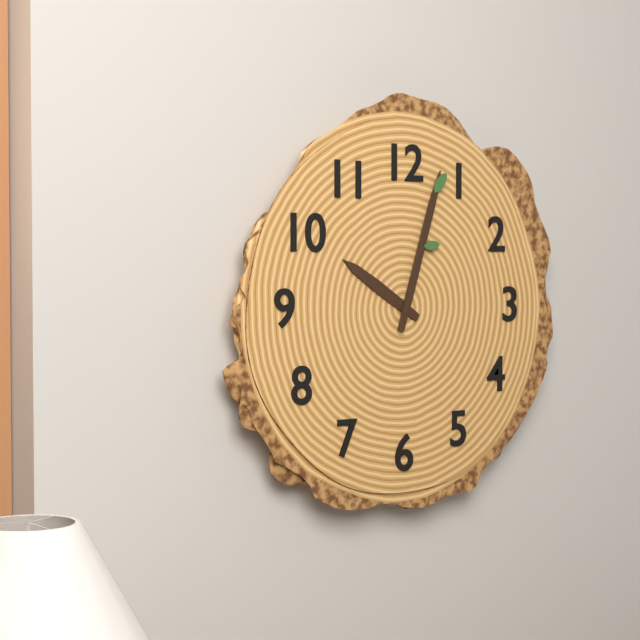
10:03
